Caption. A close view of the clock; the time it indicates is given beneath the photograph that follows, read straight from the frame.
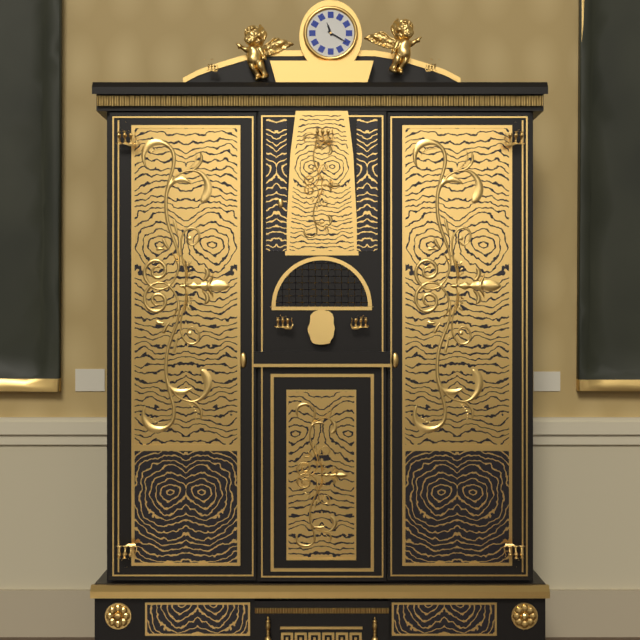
11:20
